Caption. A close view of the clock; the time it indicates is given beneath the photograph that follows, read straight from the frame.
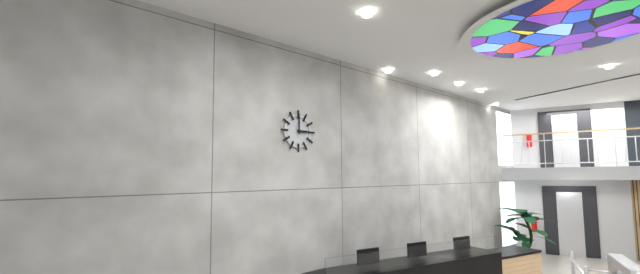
3:00
